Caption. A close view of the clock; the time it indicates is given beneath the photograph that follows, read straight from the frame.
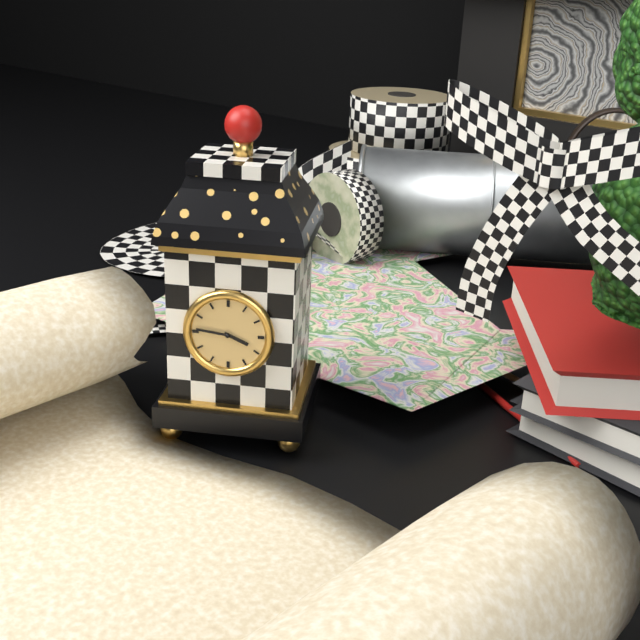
3:46
